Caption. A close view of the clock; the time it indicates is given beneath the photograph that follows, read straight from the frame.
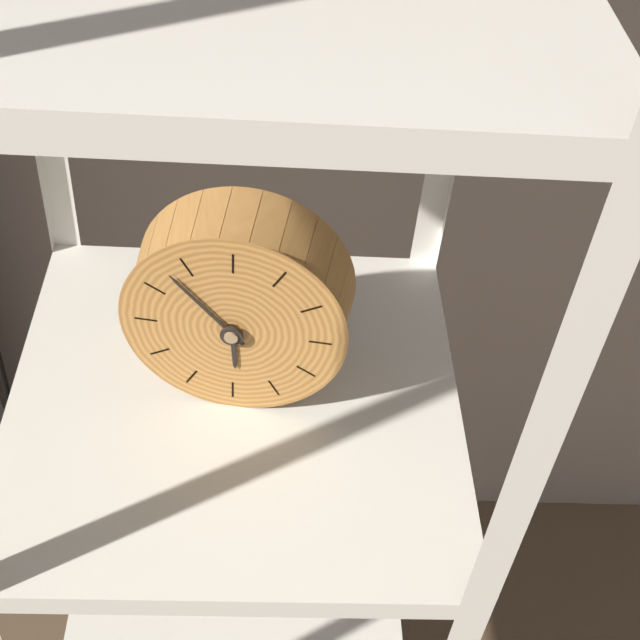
5:53
